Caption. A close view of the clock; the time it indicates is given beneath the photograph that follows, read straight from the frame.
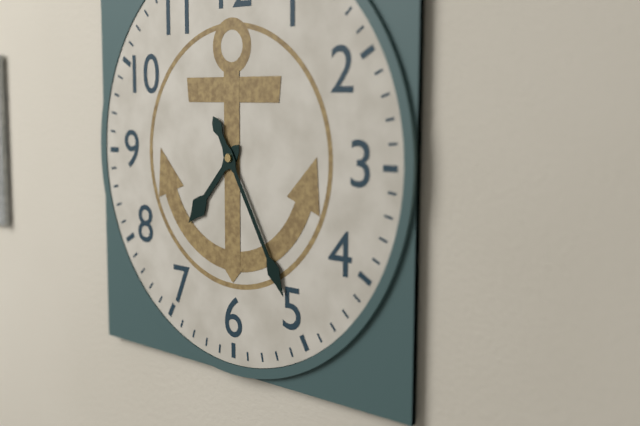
7:25
